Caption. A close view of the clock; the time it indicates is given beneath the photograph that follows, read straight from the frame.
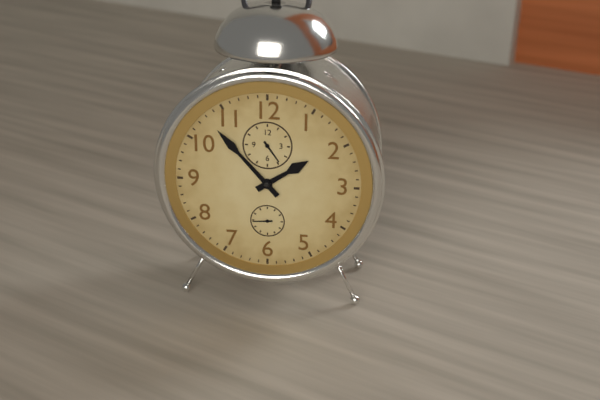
1:53
